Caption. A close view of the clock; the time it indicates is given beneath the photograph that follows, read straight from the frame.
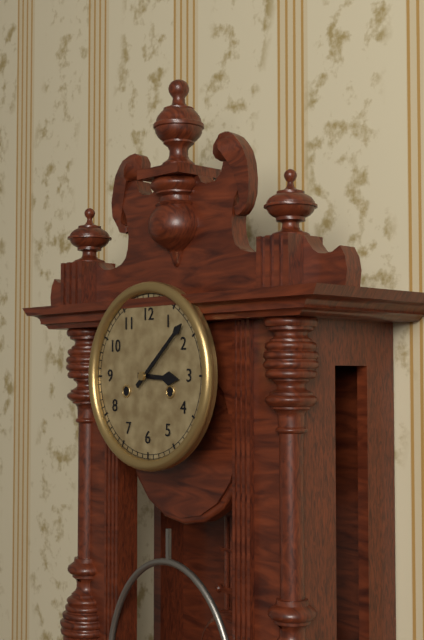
3:08
